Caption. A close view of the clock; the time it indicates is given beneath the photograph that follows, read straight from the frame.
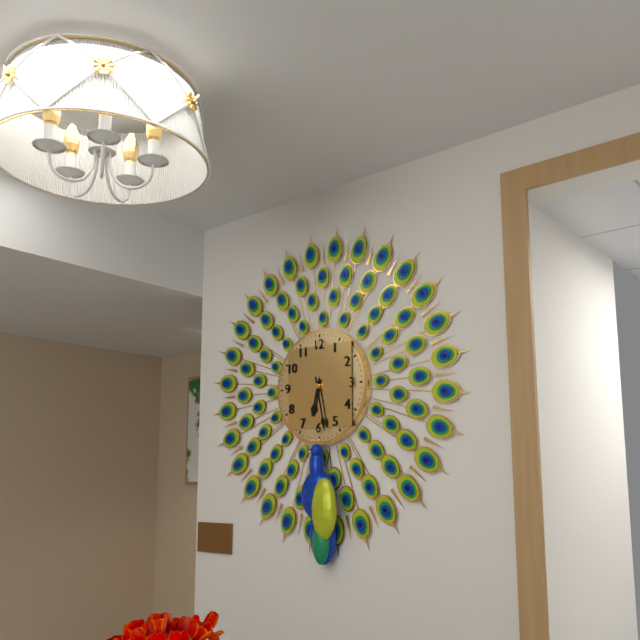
6:28
